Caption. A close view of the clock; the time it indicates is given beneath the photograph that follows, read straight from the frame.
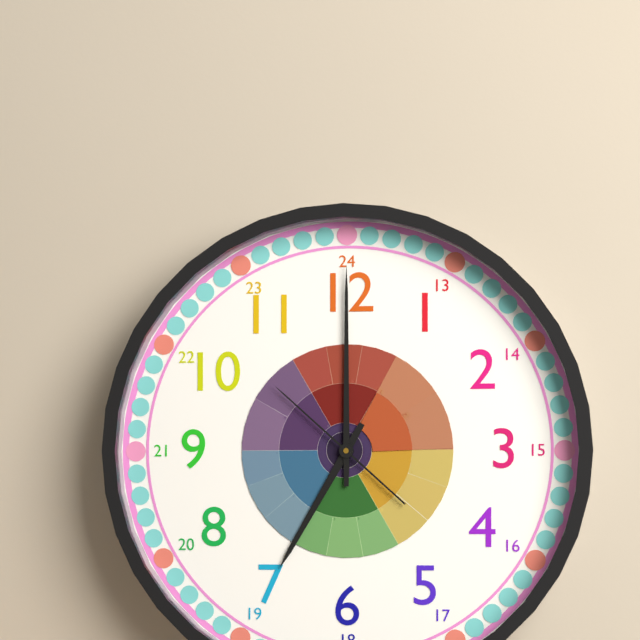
7:00:52
